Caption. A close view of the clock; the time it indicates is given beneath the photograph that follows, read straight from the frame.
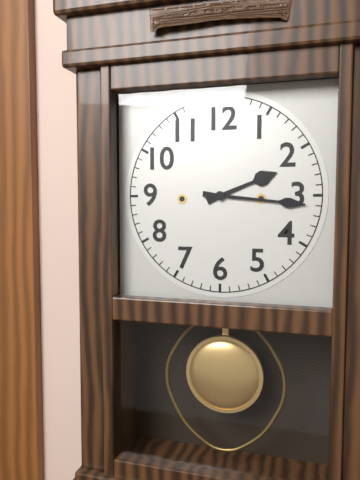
2:16
